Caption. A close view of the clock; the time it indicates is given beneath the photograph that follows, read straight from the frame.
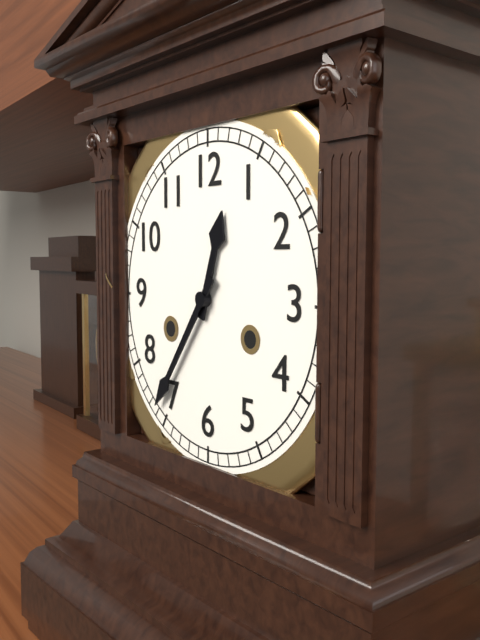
12:36
